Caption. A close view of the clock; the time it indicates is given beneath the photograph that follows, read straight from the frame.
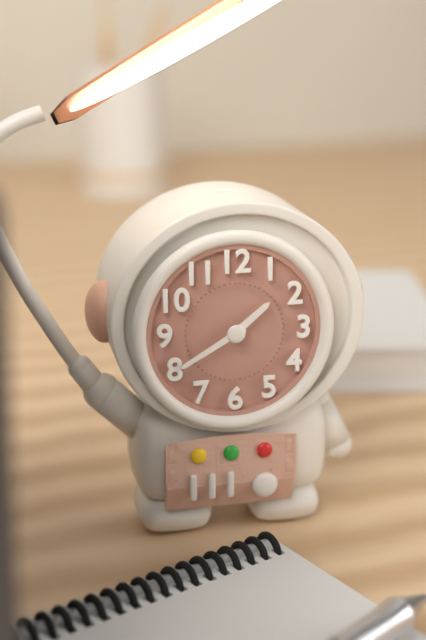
1:40
